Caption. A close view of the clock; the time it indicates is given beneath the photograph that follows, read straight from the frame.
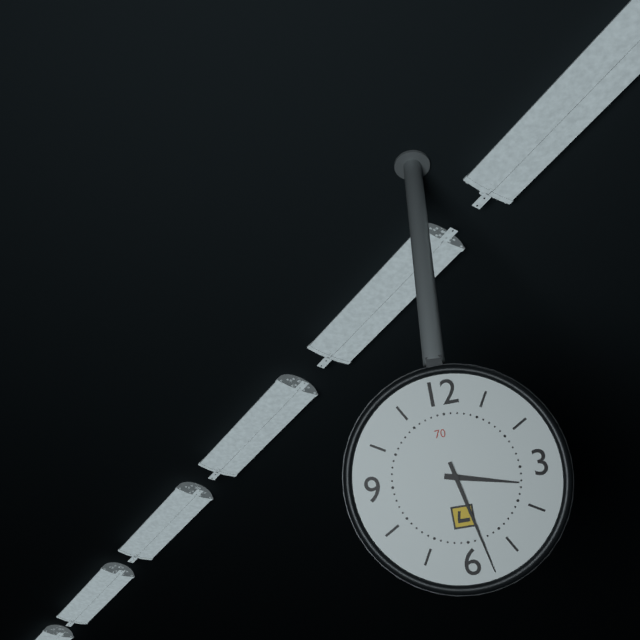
3:28
